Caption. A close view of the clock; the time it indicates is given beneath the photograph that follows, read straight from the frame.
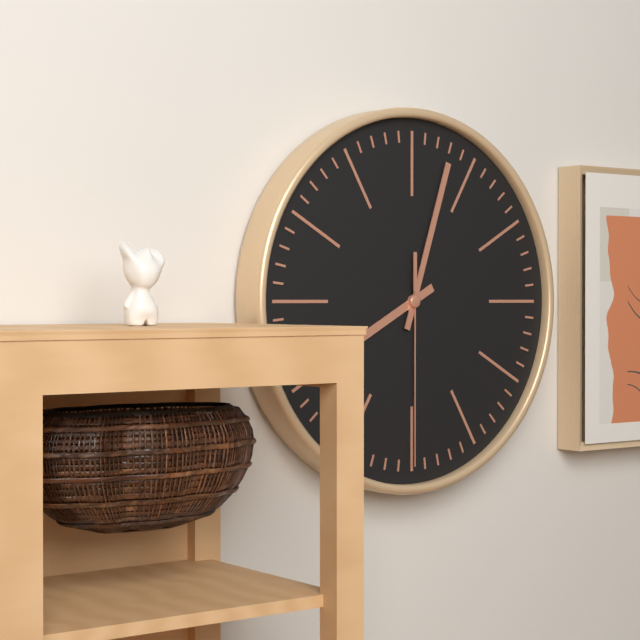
8:03:30
